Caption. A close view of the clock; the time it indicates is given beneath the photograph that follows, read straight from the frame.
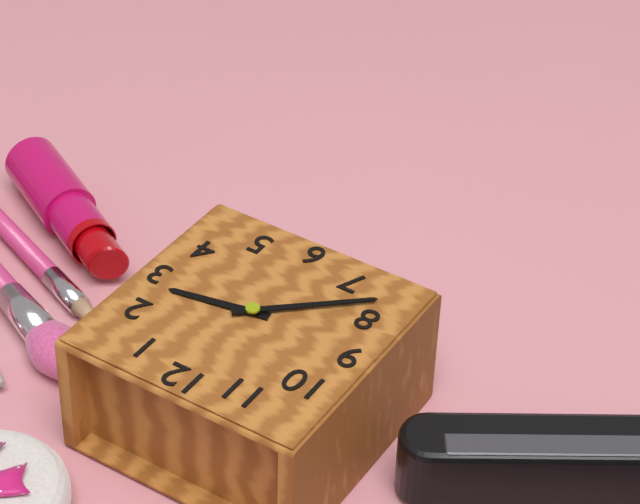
2:38
